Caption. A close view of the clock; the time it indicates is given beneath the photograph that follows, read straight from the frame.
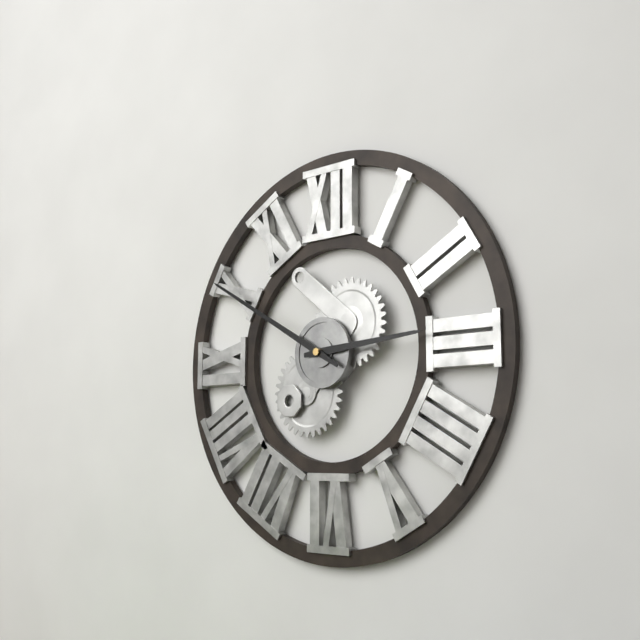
2:50
